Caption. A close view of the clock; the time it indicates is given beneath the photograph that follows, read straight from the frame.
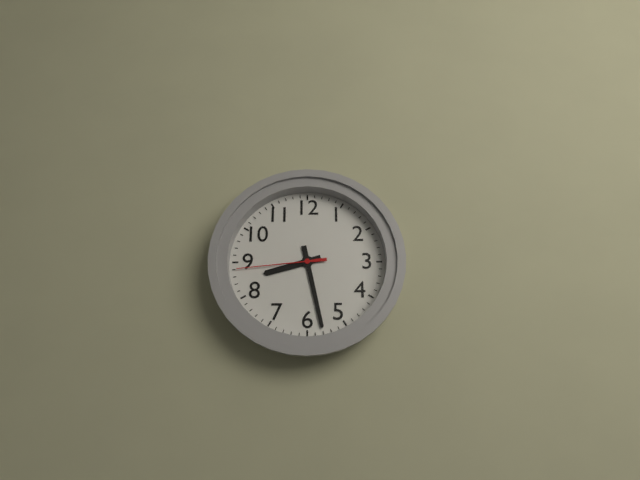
8:28:44
